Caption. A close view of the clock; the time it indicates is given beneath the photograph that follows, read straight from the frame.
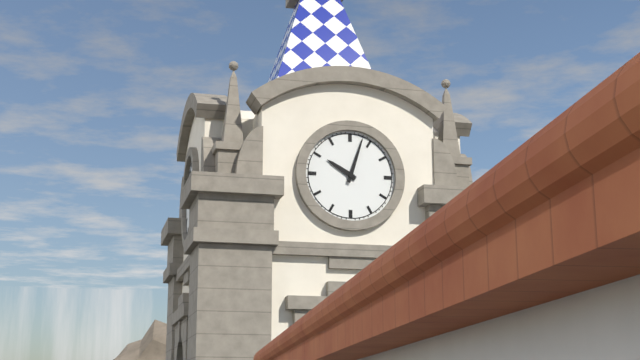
10:03
